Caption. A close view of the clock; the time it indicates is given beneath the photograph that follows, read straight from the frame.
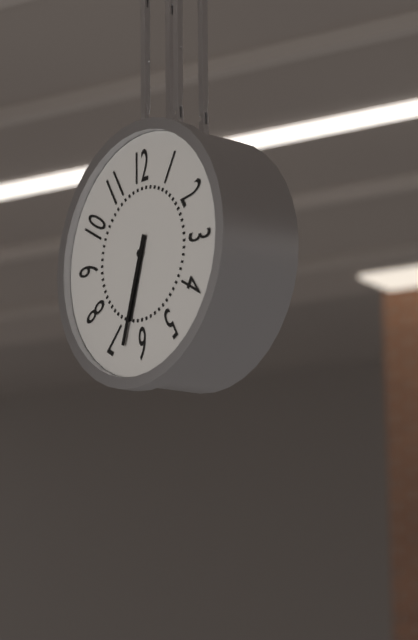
6:33
